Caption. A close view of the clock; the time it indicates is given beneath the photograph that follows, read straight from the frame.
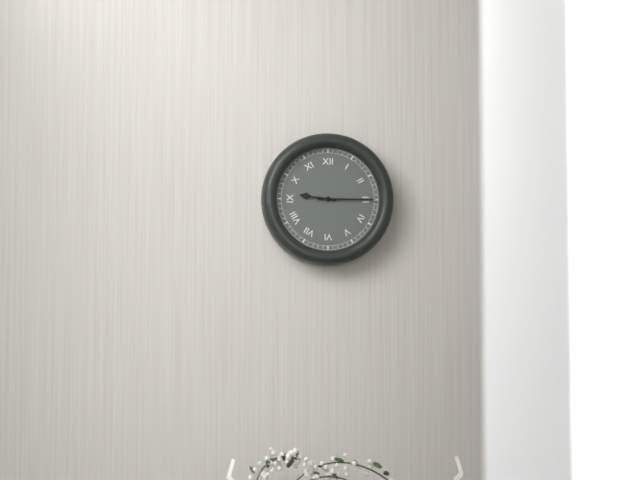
9:15
